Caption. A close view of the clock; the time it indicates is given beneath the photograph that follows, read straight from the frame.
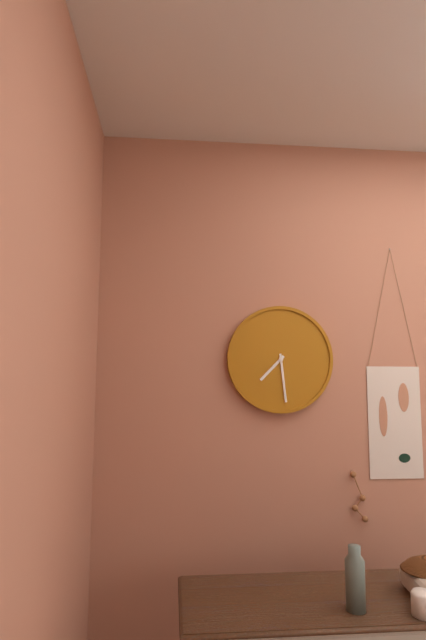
7:29
